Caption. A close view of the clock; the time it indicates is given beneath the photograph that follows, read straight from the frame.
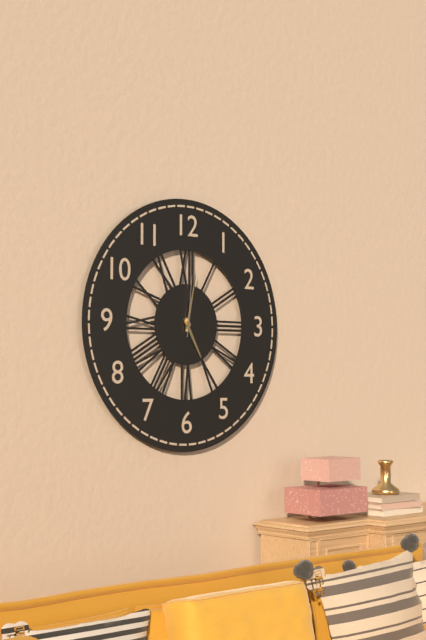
5:02:01
